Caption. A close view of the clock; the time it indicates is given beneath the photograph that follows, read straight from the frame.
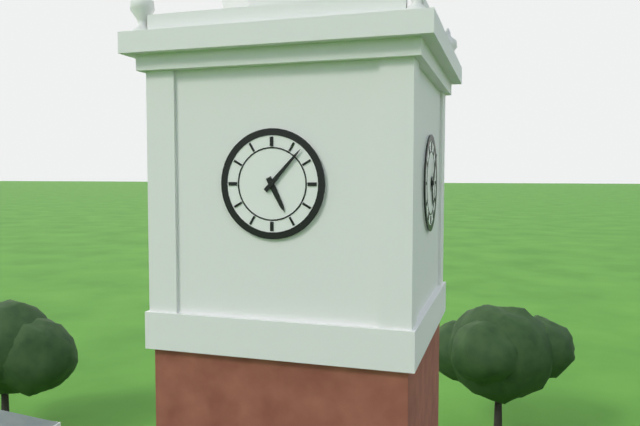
5:07
